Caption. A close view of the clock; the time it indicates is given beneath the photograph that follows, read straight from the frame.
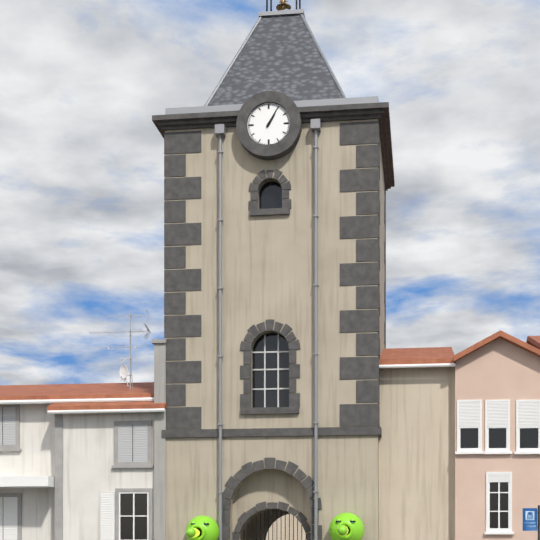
1:05
